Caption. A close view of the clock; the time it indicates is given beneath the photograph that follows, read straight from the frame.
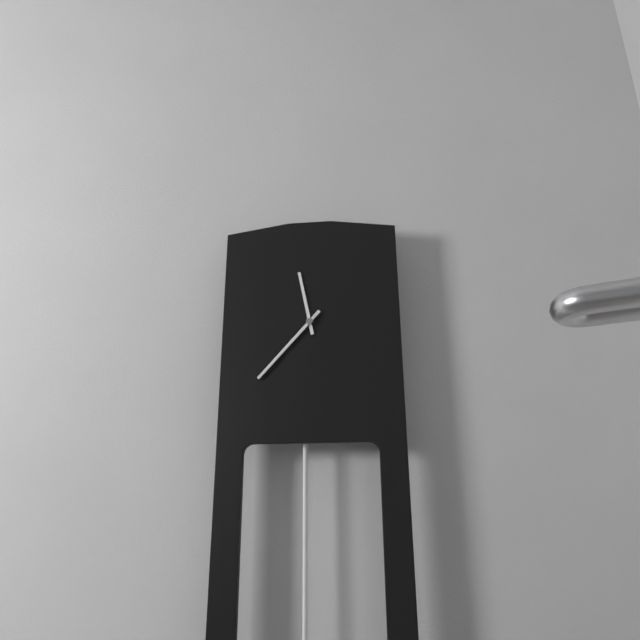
11:37
